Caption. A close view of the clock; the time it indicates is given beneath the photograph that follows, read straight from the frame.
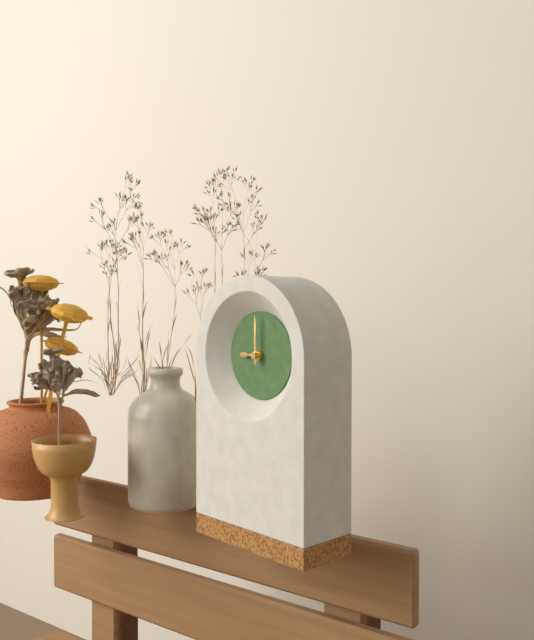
9:00
